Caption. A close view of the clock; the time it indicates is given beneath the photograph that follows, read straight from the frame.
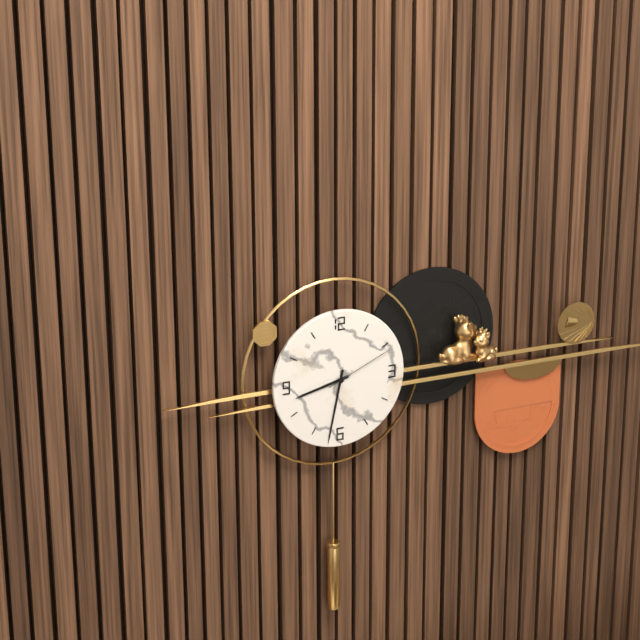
8:32:11
